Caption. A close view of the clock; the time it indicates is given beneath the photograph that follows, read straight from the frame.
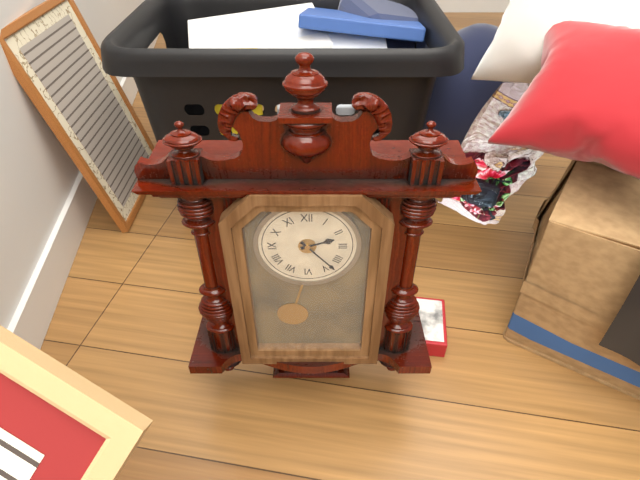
2:23
